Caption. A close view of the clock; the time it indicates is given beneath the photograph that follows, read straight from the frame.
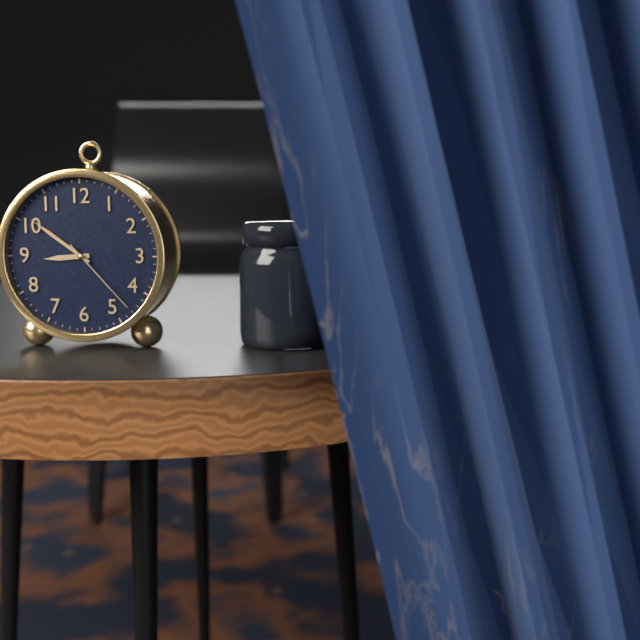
8:51:23
